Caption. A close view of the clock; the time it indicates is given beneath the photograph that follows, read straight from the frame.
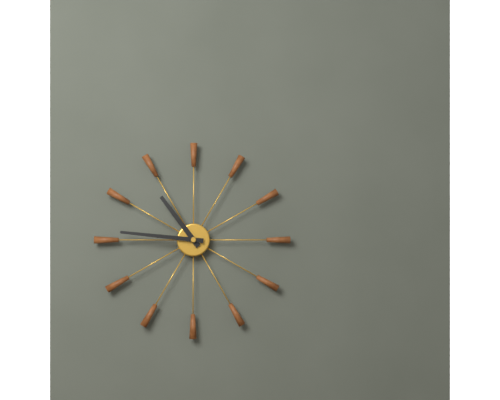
10:46
